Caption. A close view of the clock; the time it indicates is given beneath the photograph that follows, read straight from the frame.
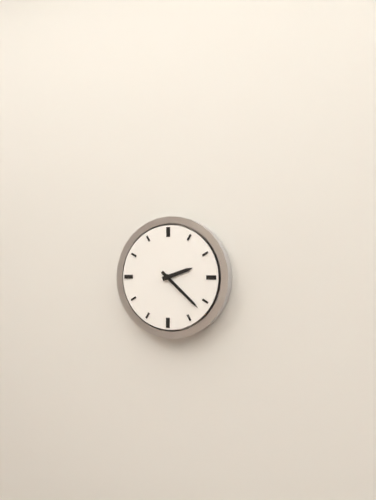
2:22
